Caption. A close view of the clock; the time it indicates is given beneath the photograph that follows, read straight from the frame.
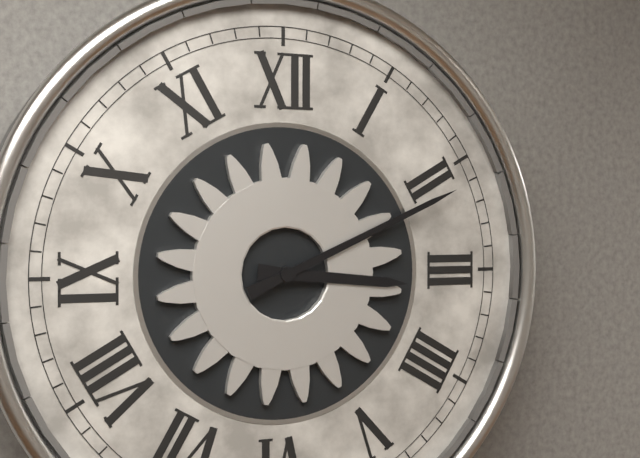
3:11
